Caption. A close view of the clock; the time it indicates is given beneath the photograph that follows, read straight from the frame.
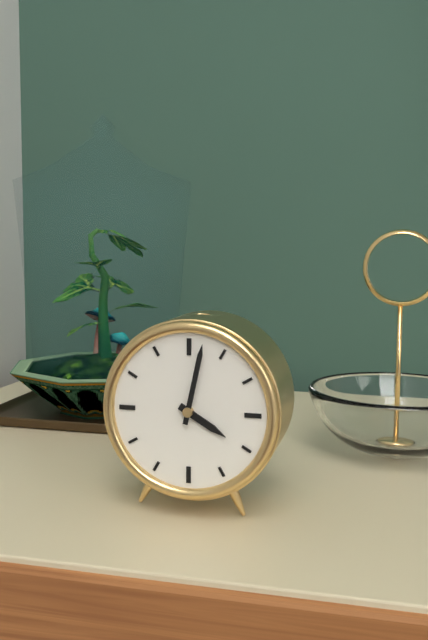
4:02
